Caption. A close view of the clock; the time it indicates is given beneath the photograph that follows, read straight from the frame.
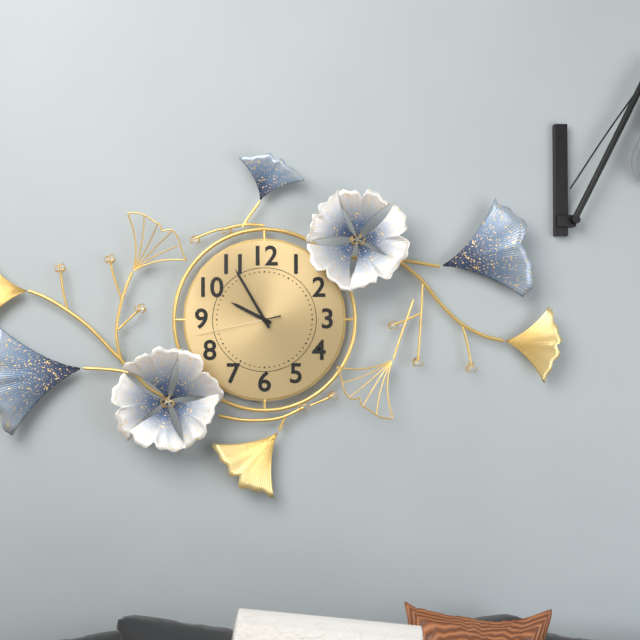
9:55:43
